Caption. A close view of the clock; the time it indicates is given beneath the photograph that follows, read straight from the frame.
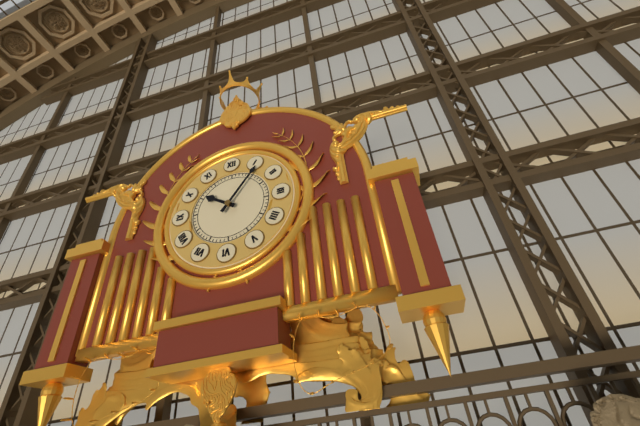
10:06
